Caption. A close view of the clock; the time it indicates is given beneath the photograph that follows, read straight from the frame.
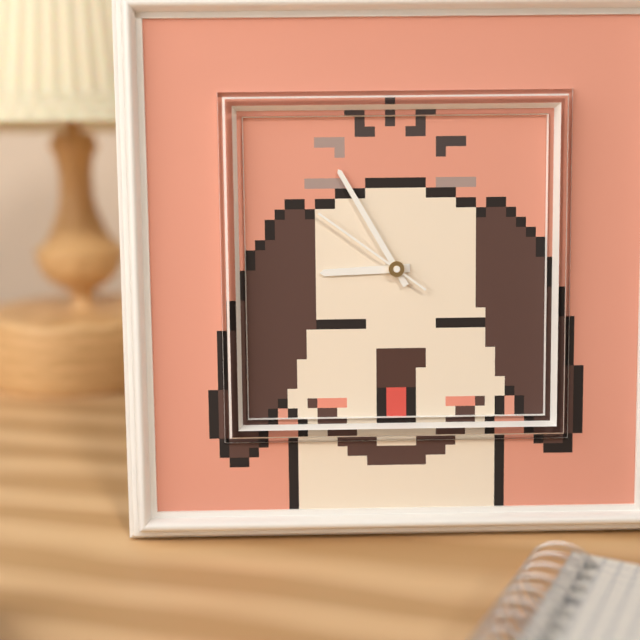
8:55:51
